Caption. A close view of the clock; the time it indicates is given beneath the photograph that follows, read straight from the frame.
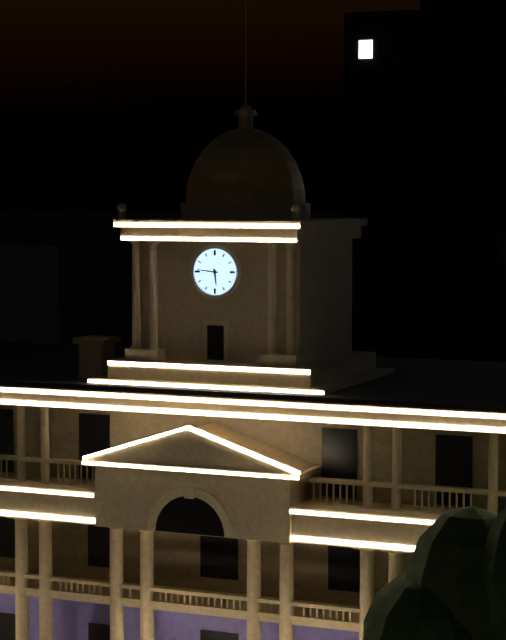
5:46
